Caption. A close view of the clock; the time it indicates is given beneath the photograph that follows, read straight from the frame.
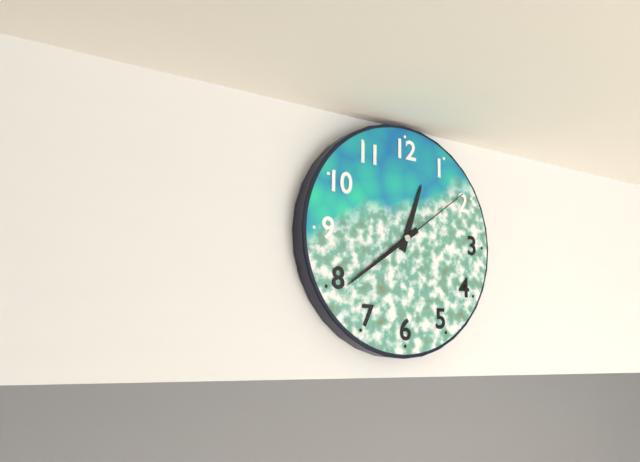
12:39:09
